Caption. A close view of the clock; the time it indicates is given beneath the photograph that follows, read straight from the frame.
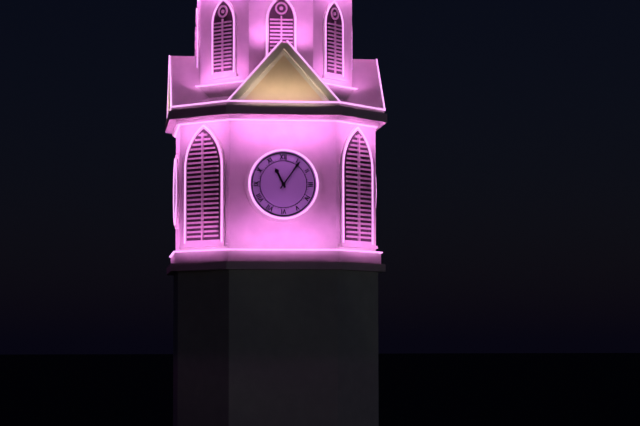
11:06
